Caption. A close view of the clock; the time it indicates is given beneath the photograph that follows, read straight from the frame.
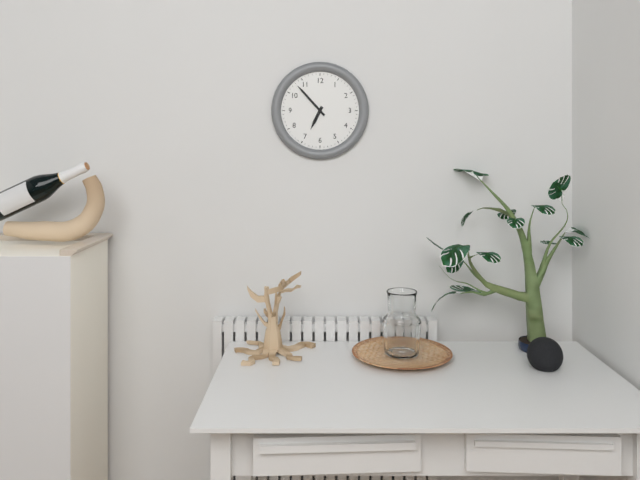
6:53
